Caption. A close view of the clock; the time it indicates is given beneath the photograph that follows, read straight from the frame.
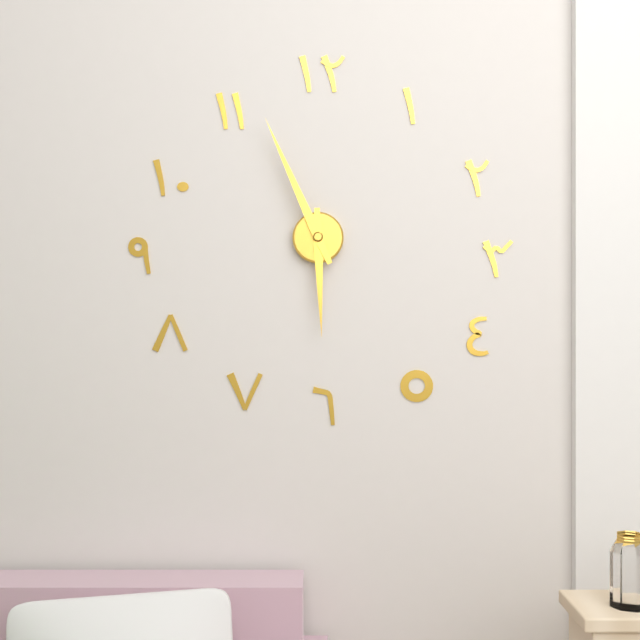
5:56
